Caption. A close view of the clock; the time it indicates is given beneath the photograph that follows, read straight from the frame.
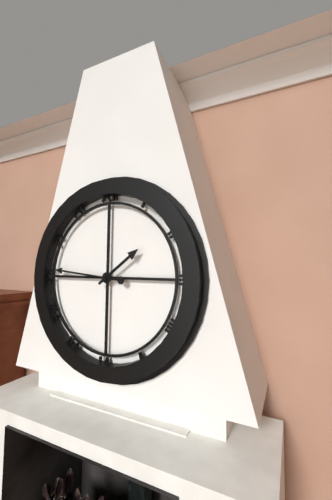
1:46
